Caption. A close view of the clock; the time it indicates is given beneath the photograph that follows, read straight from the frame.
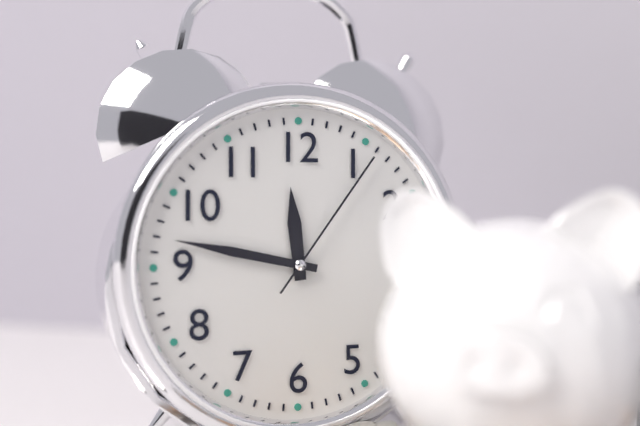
11:47:06
